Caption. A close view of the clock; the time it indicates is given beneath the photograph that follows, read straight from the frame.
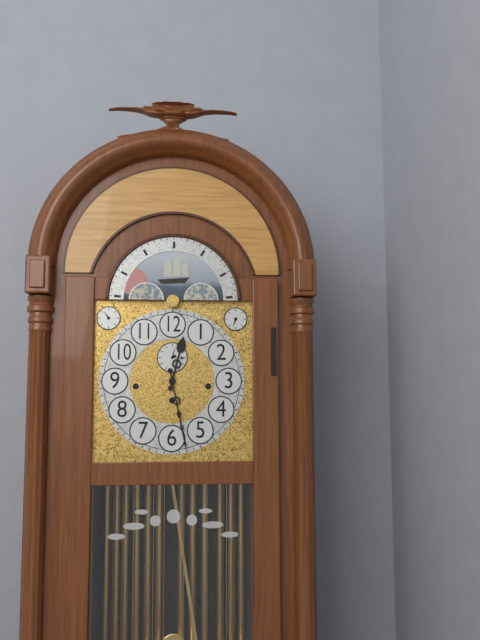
12:28
